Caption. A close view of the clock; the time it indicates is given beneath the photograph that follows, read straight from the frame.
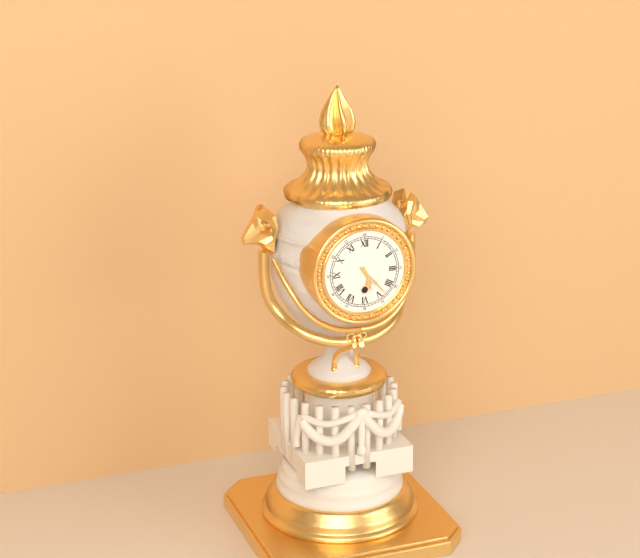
5:23
